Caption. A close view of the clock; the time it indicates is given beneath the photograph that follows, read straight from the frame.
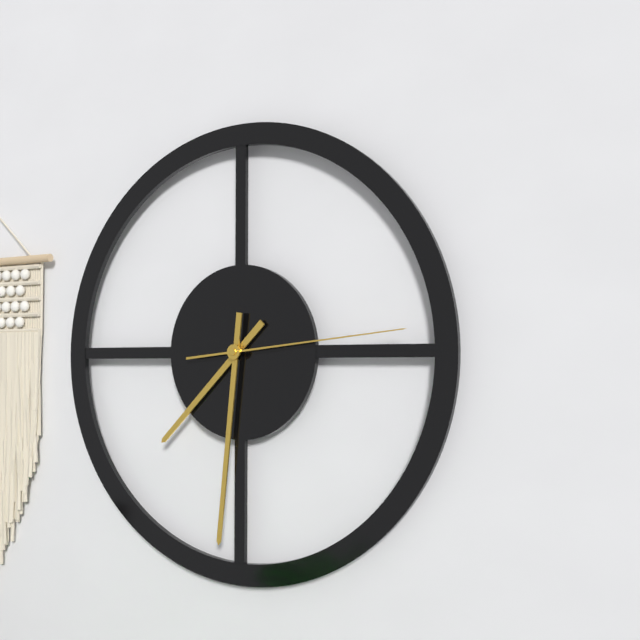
7:31:14
